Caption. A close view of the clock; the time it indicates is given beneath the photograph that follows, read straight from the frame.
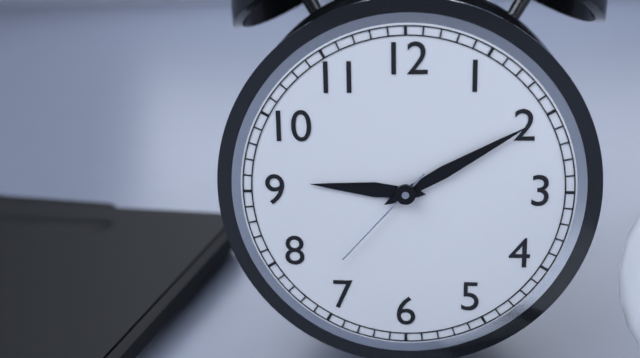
9:10:37
